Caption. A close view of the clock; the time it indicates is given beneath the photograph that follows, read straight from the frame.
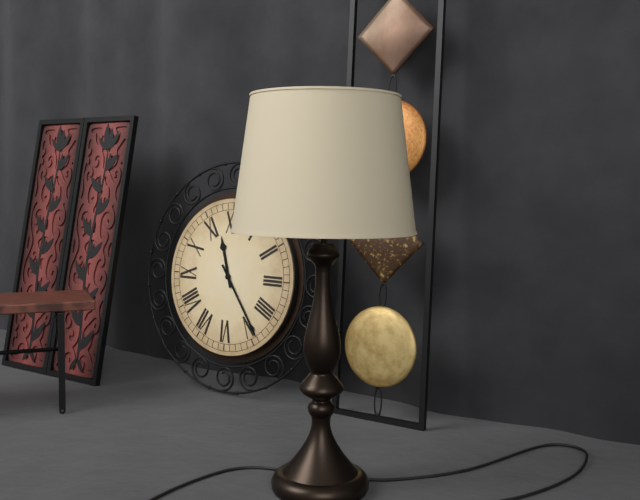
11:24
